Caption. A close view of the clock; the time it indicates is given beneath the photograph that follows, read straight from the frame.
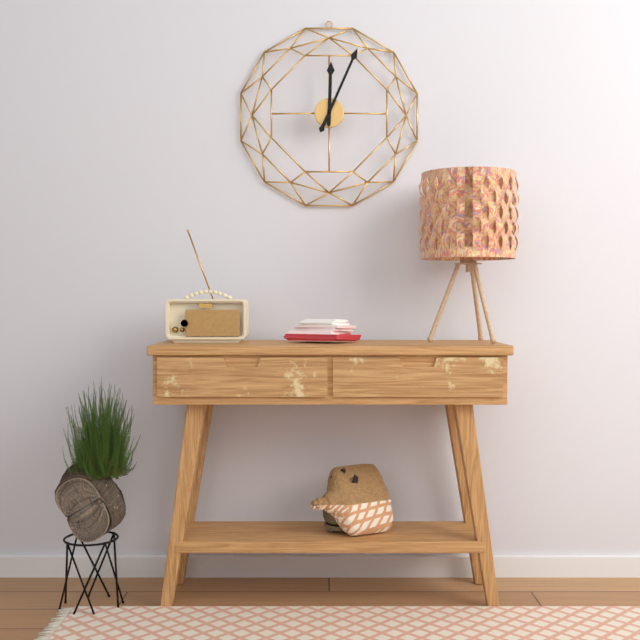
12:04
